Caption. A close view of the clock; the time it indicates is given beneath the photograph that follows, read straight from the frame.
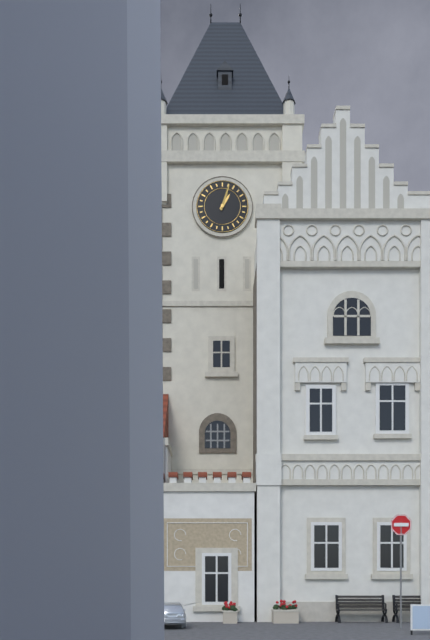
1:03
